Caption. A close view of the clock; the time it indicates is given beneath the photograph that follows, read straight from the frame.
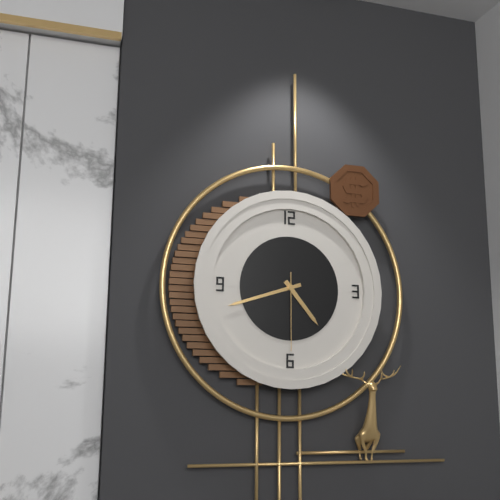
4:42:30
